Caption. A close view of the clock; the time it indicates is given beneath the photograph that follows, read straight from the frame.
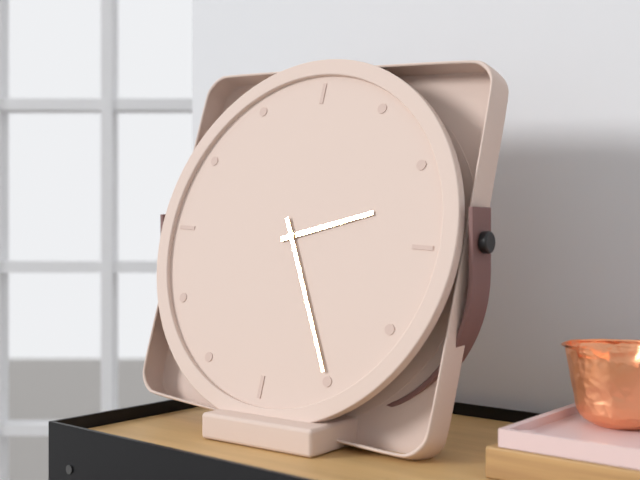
2:25
